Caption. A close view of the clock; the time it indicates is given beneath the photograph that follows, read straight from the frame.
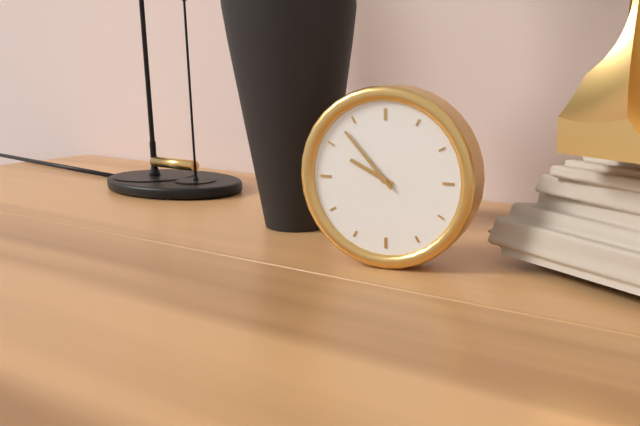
9:53
